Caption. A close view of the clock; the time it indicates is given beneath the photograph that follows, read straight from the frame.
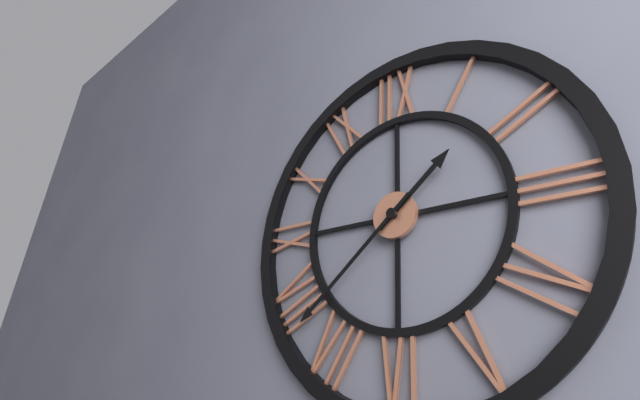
1:38
